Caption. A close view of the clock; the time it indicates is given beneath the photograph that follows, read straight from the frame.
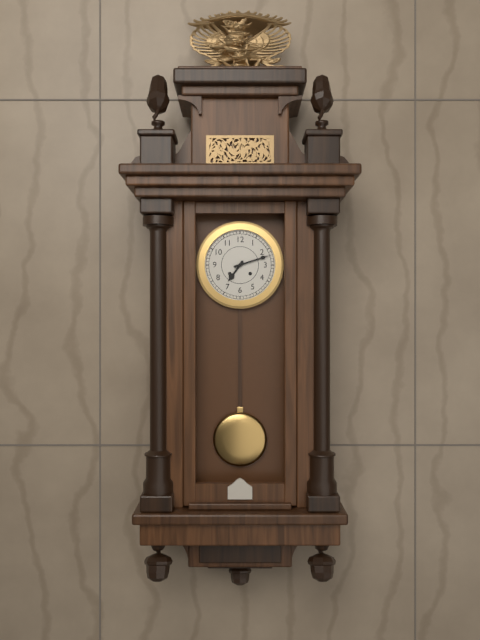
7:12
